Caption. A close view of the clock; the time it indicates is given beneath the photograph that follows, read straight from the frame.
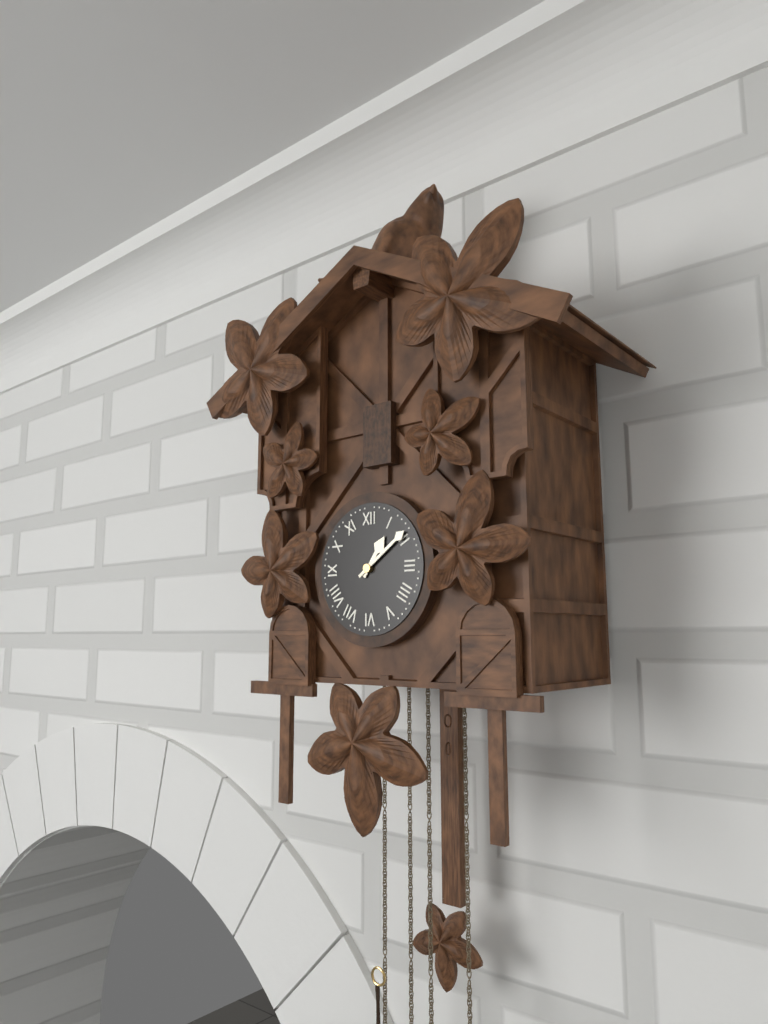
1:09
